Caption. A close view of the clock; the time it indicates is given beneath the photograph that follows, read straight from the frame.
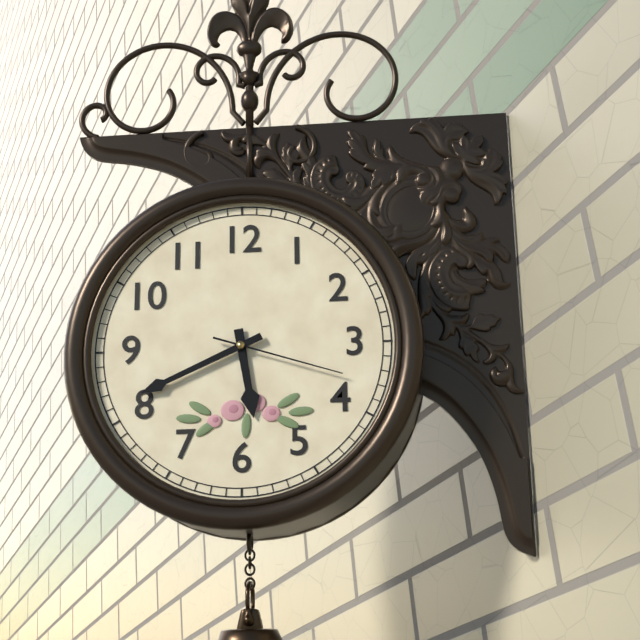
5:41:18
